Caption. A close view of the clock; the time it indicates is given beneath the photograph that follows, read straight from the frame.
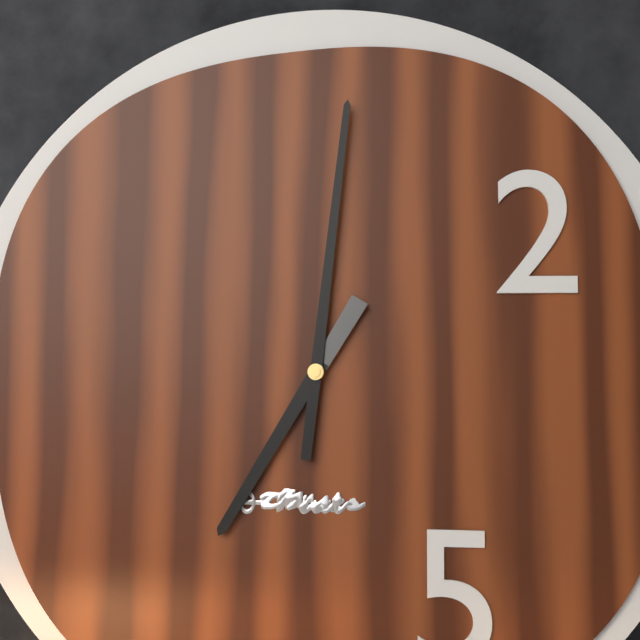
7:01
